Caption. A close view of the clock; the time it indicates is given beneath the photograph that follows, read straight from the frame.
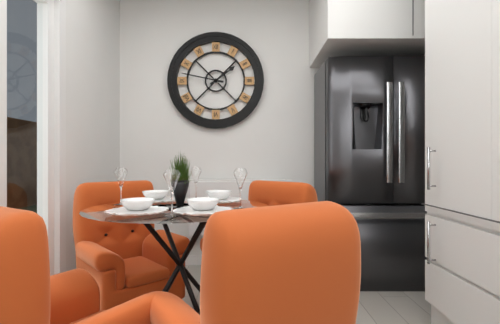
1:47
